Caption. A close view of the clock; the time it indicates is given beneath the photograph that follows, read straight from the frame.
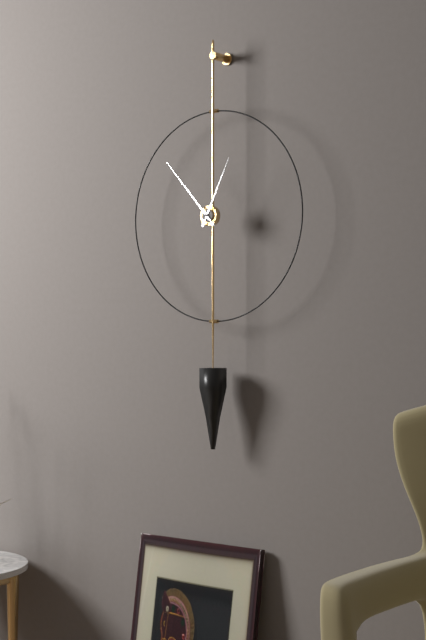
12:53
